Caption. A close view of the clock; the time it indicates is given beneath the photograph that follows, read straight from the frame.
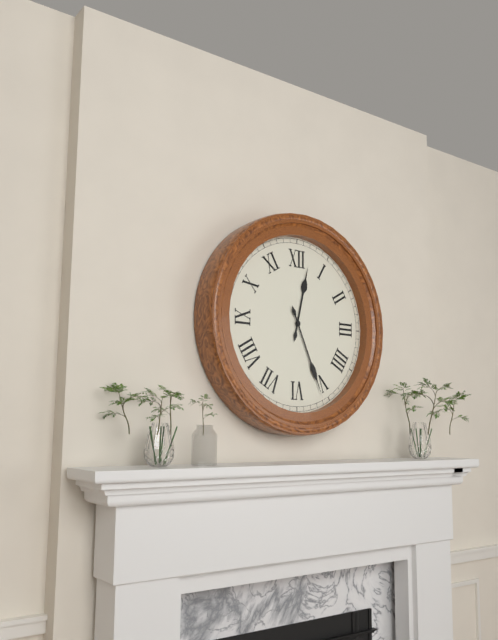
12:26
